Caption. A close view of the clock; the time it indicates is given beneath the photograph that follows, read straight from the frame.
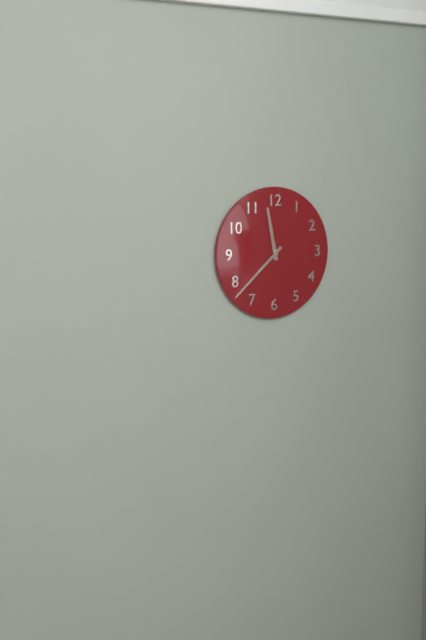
11:38
